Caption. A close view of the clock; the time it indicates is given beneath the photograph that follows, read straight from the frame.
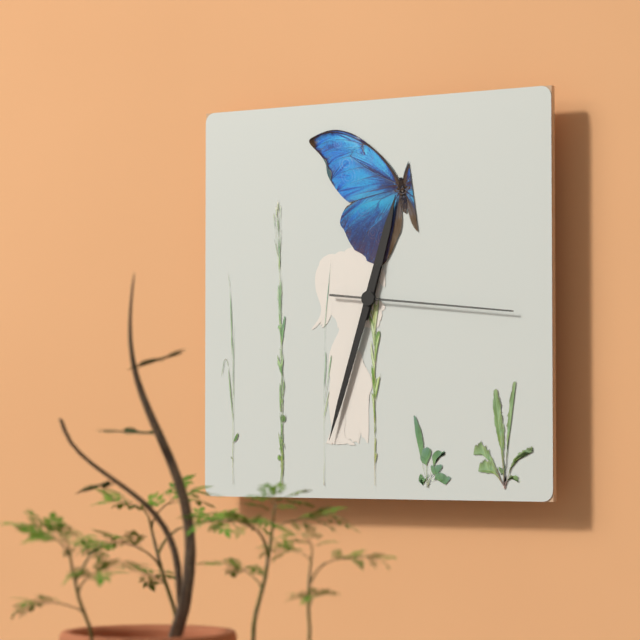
12:33:16
